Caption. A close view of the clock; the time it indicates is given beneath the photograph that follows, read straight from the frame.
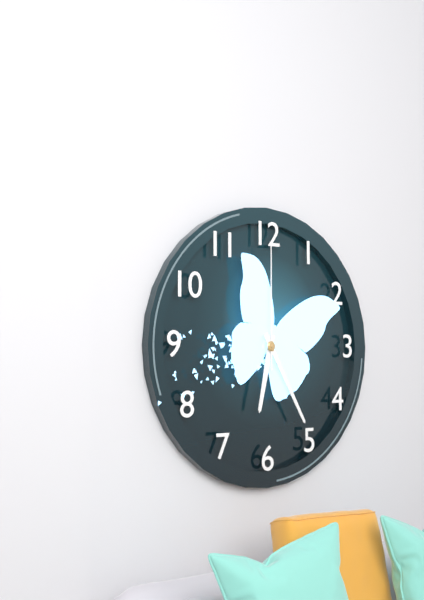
6:25:00
